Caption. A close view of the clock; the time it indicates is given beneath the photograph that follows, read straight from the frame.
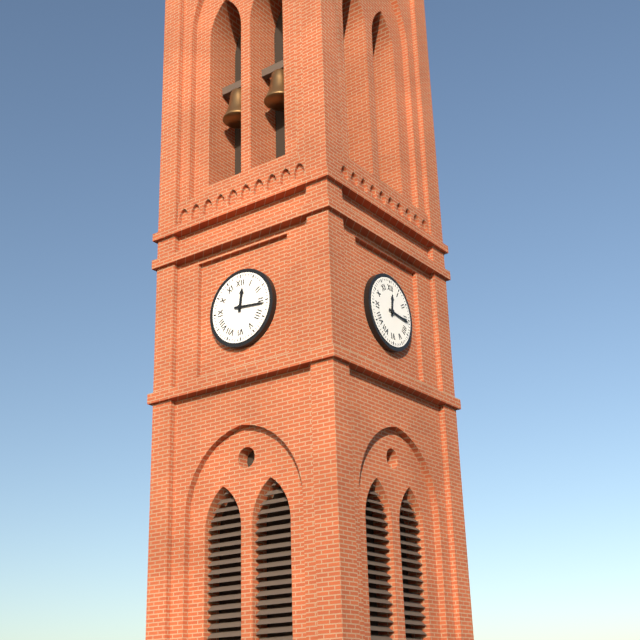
12:16
